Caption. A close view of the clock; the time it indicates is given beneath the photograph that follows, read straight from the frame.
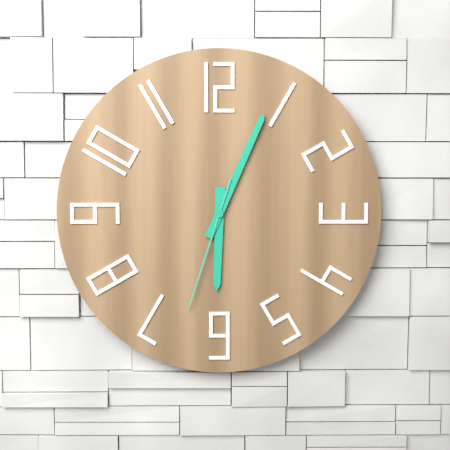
6:04:33
